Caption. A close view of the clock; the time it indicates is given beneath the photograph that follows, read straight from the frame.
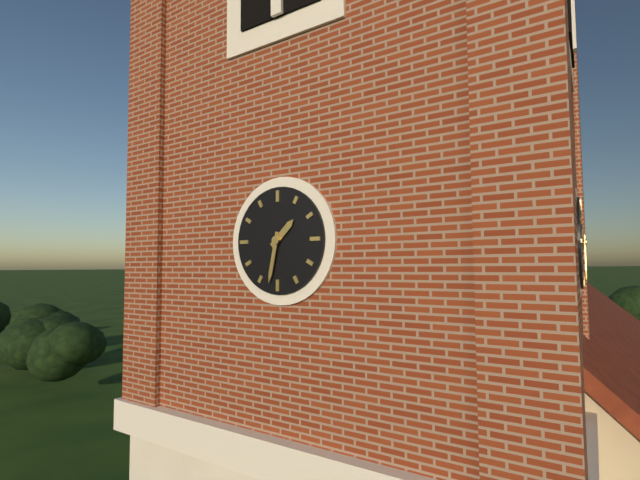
1:32
